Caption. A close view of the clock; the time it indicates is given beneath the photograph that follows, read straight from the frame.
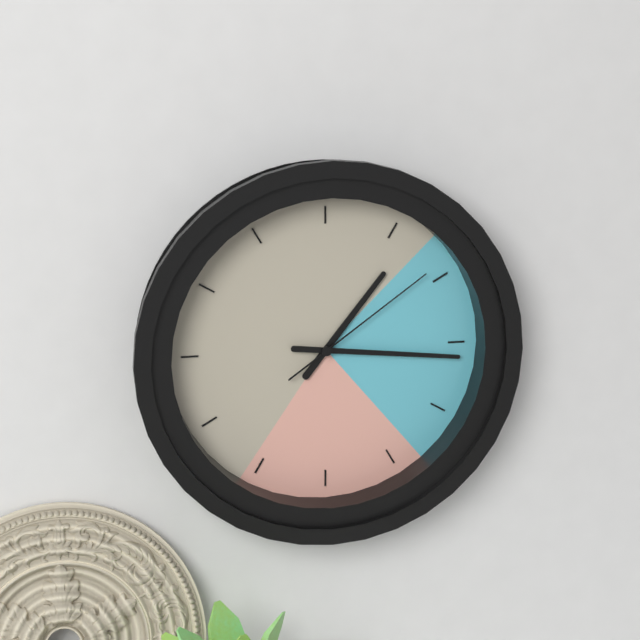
1:16:09
